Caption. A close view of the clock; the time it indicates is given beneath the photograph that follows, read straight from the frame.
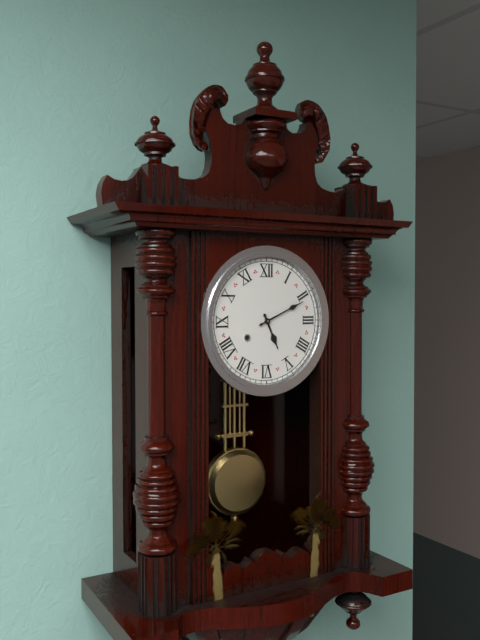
5:11
